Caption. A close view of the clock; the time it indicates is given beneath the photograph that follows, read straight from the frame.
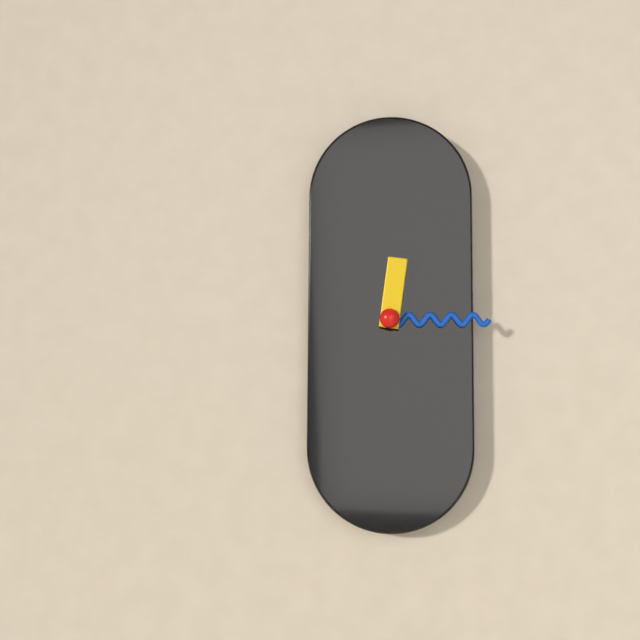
12:15
